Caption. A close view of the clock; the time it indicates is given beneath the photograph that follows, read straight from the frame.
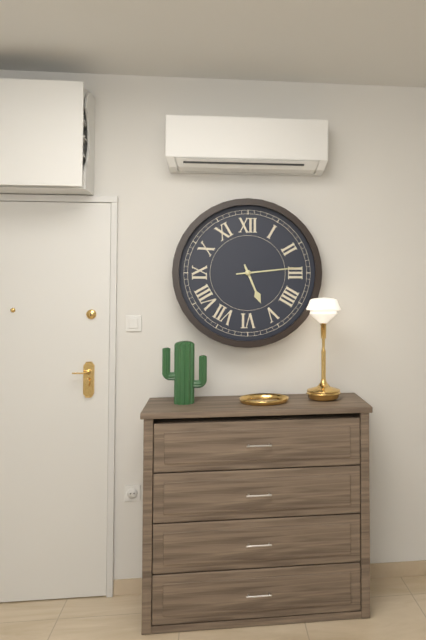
5:14
